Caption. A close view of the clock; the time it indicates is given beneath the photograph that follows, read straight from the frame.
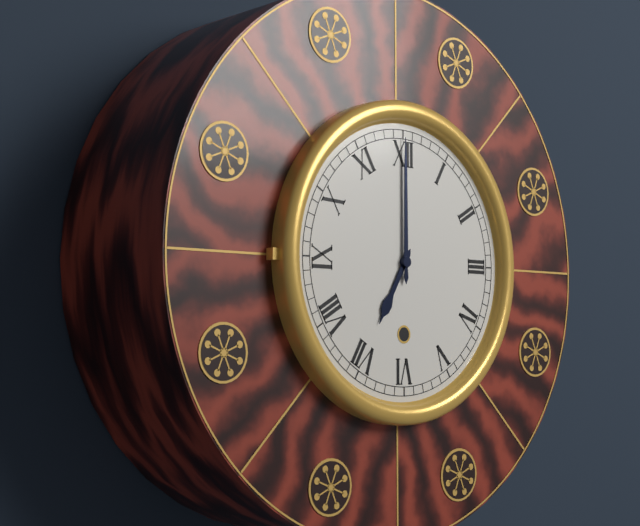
7:00
